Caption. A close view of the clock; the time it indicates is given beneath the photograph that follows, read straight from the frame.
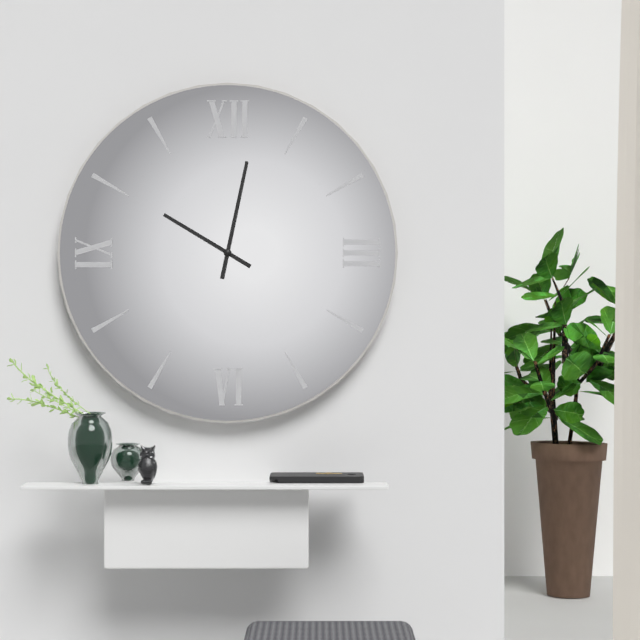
10:02
